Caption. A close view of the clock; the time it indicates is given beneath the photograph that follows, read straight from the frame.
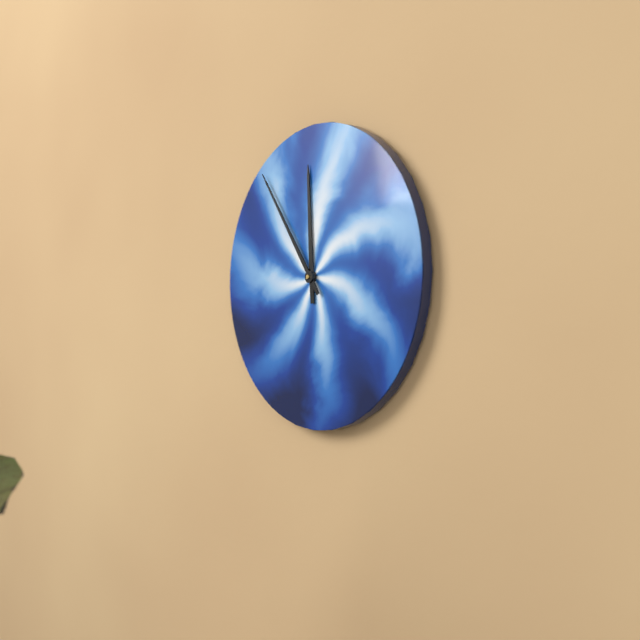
11:54
